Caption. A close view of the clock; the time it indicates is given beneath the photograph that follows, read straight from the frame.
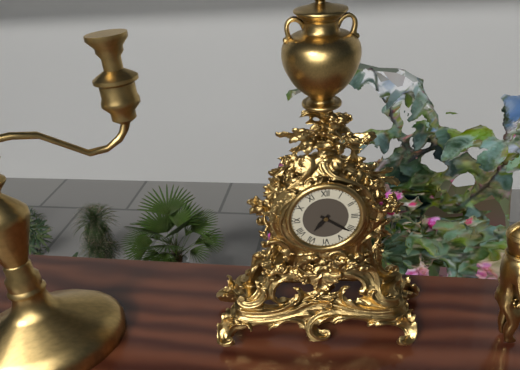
7:21
